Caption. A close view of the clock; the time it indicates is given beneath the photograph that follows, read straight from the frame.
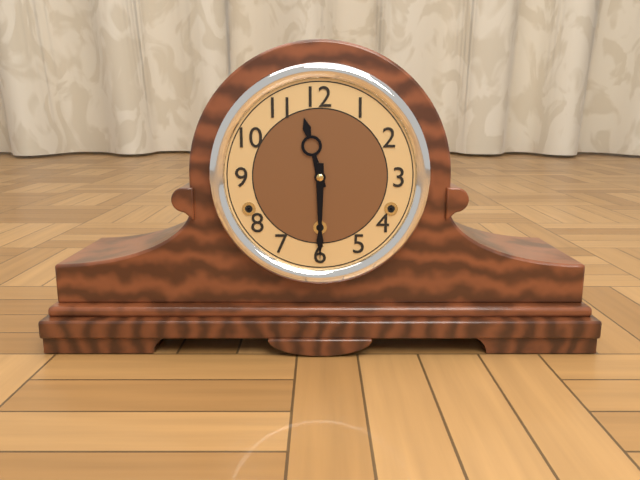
11:30
